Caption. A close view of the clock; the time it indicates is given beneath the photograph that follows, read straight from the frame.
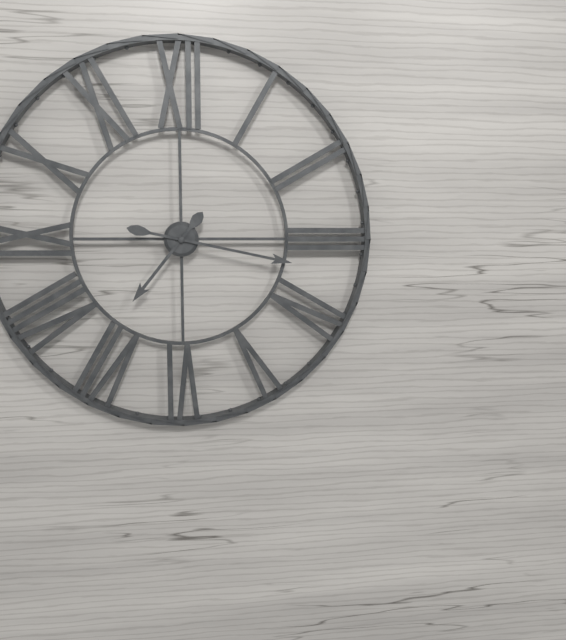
7:17
